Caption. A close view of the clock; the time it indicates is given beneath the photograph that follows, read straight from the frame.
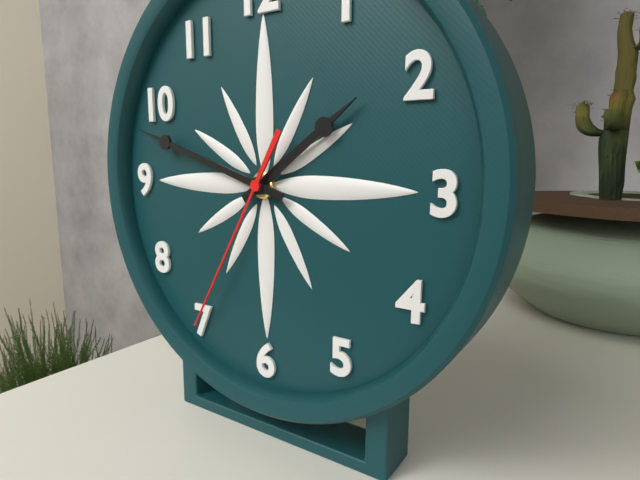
1:48:35
